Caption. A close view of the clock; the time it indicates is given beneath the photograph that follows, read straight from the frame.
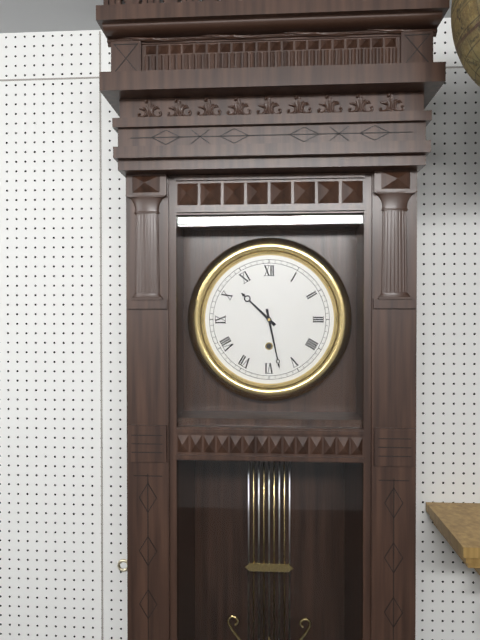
10:28
